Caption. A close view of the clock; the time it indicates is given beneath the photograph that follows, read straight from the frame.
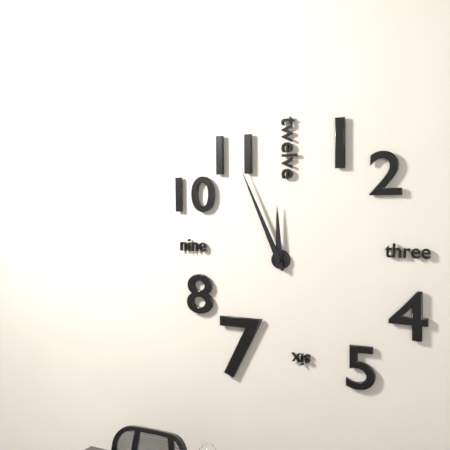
11:56
